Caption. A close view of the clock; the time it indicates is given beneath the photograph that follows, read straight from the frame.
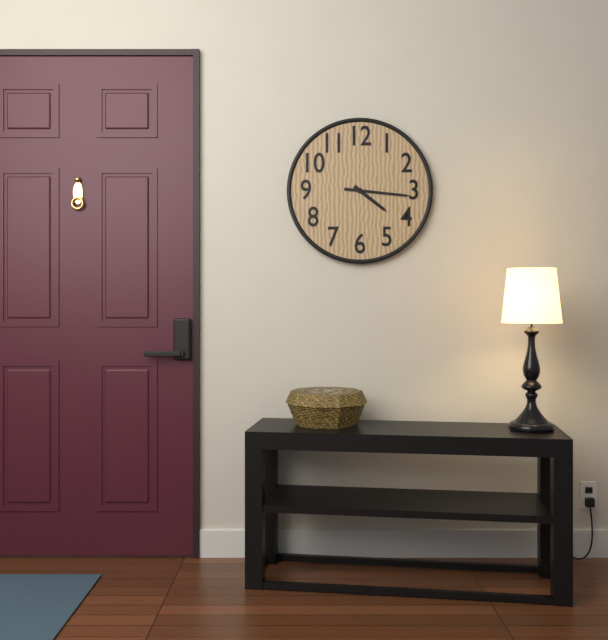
4:16
